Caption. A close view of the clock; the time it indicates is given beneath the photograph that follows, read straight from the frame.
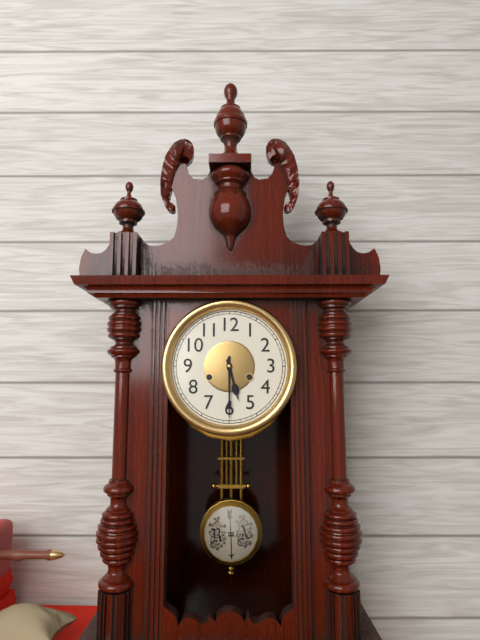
5:30
